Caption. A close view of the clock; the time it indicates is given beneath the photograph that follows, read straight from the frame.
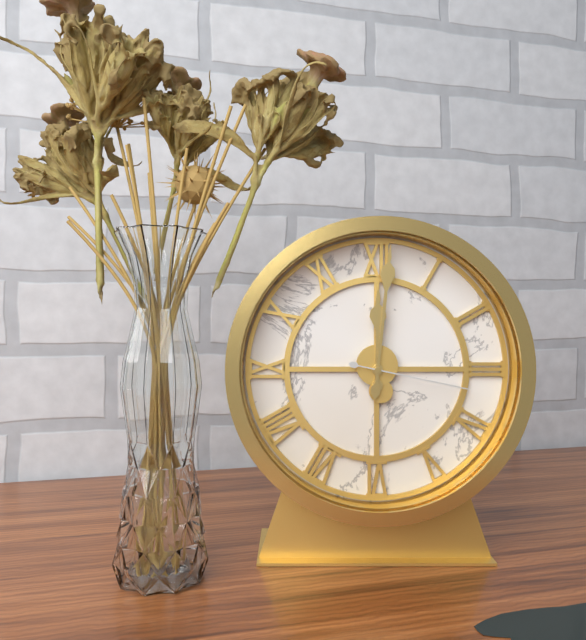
12:01:17
